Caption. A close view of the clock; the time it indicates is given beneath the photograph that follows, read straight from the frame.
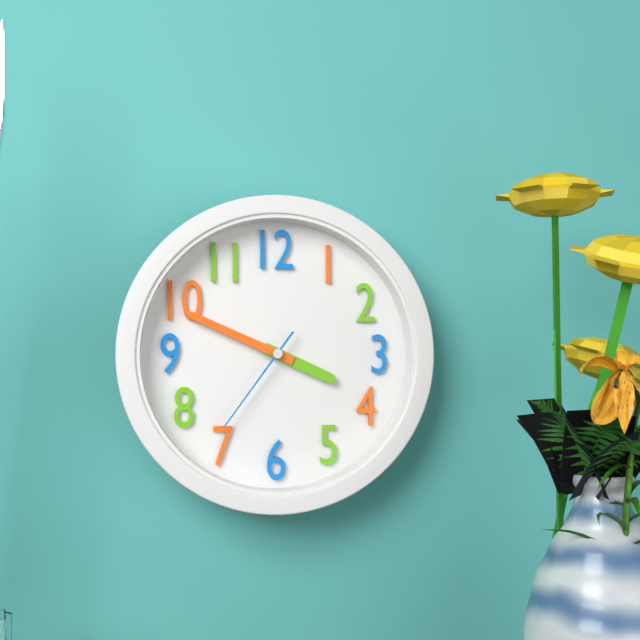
3:49:36
